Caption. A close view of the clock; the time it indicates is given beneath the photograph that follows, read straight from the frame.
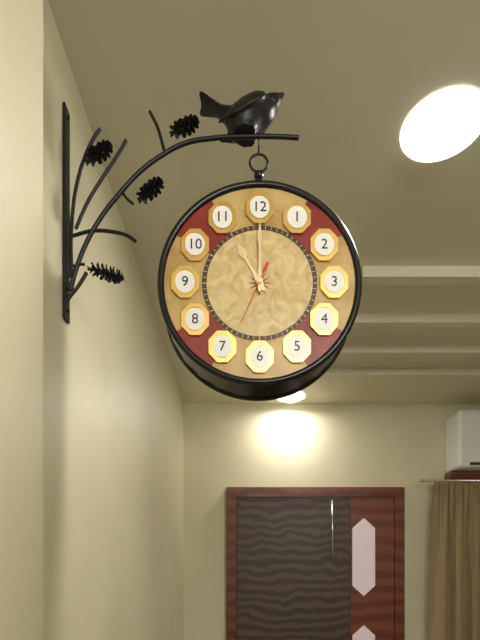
11:00:34
